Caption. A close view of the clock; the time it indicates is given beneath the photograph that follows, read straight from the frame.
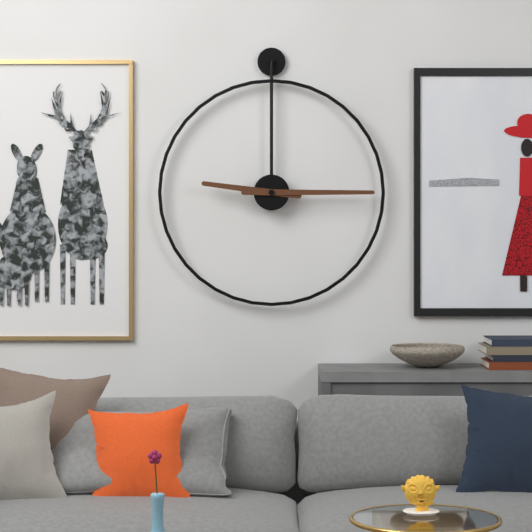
9:15
